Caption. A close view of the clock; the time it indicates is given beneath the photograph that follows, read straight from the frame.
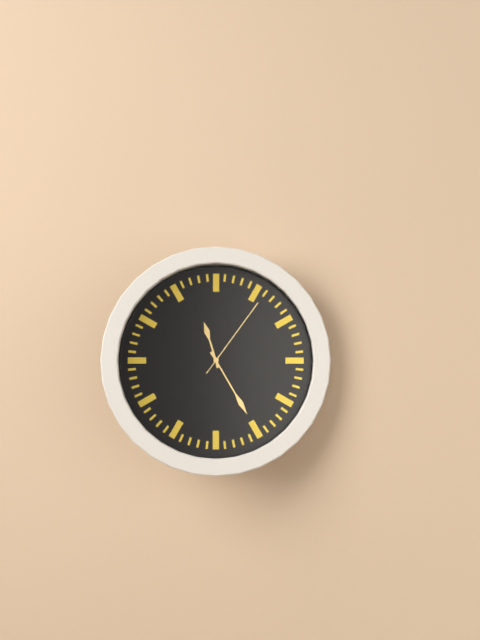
11:25:06
